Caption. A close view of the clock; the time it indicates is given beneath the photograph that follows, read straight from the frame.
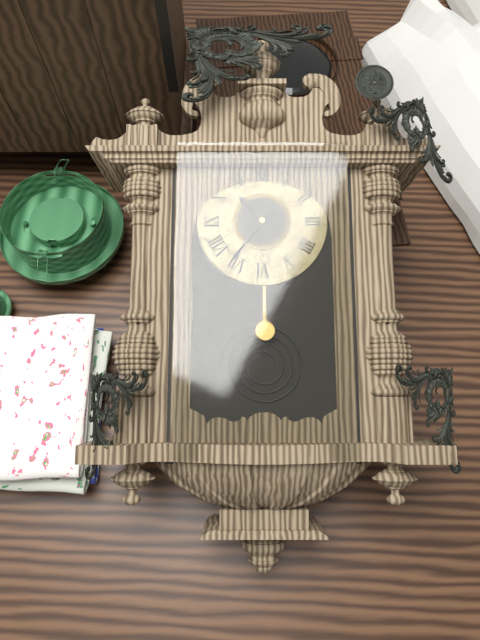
10:36
